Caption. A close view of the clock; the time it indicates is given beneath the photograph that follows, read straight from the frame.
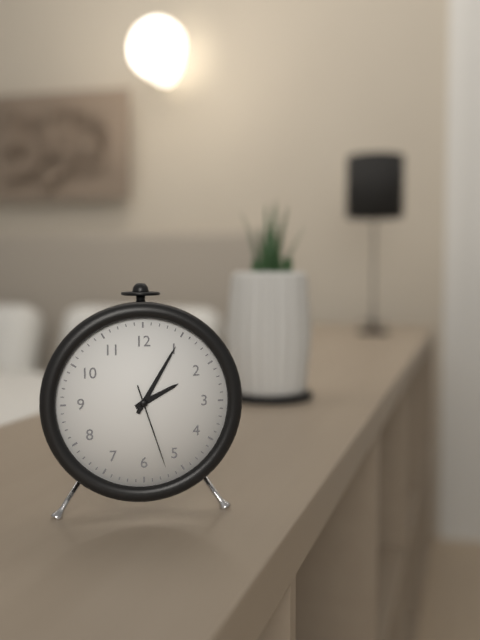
2:05:27
